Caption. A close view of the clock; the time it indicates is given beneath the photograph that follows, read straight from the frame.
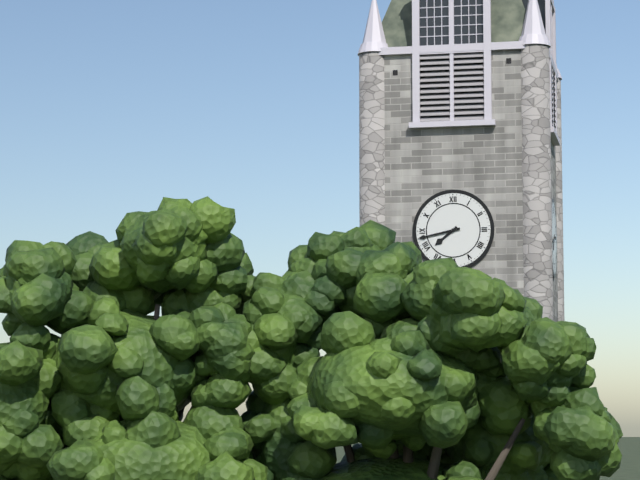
7:43
